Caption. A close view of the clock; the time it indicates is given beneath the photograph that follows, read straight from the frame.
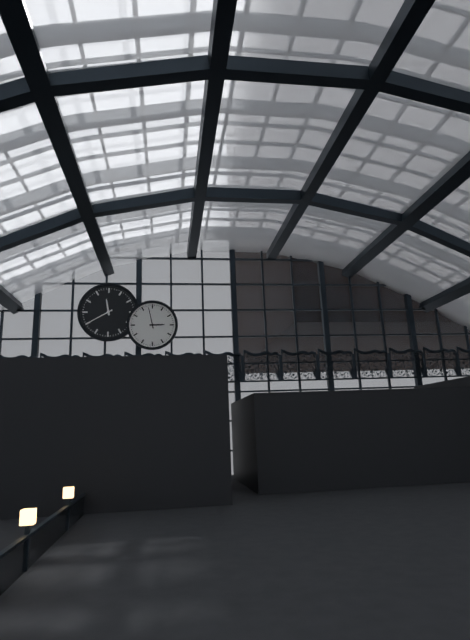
2:58
